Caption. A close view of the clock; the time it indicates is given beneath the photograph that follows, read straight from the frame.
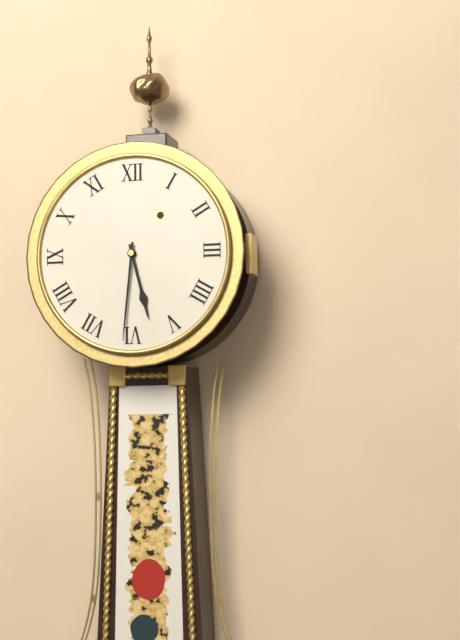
5:31
